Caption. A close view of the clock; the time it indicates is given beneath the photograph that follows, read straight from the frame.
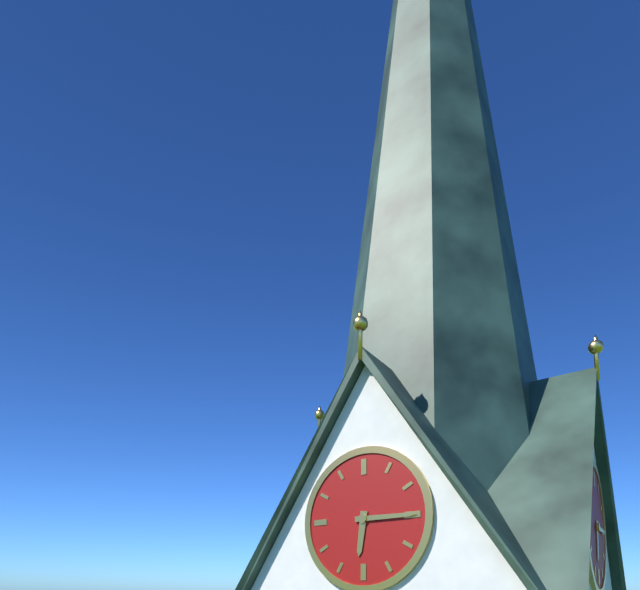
6:15
